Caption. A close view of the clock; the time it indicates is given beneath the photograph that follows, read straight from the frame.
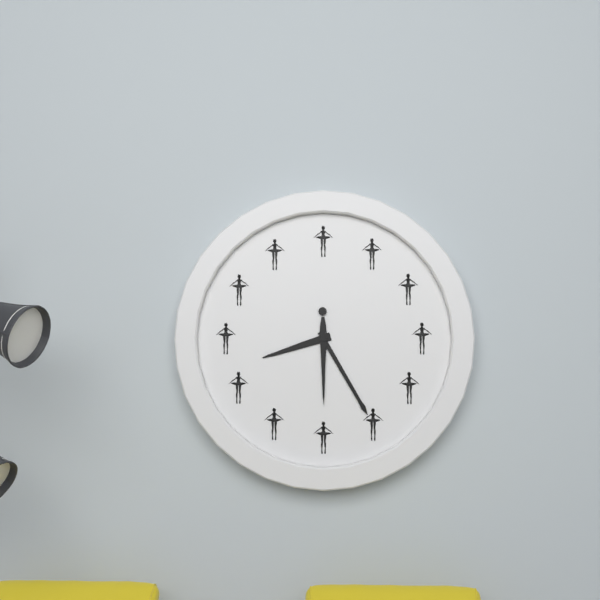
8:25
